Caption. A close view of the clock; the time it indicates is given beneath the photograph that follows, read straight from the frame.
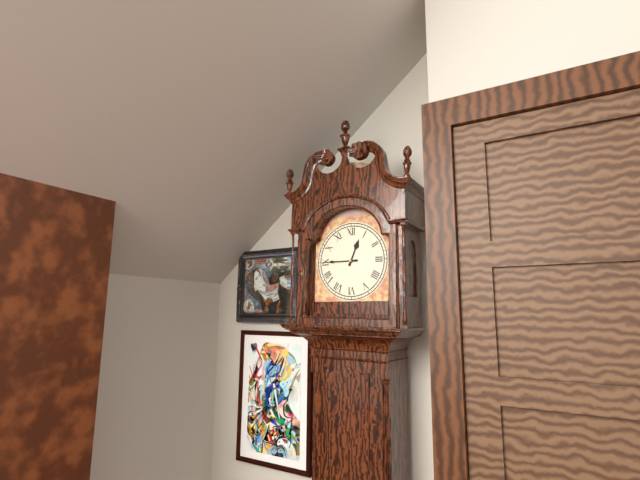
12:45
